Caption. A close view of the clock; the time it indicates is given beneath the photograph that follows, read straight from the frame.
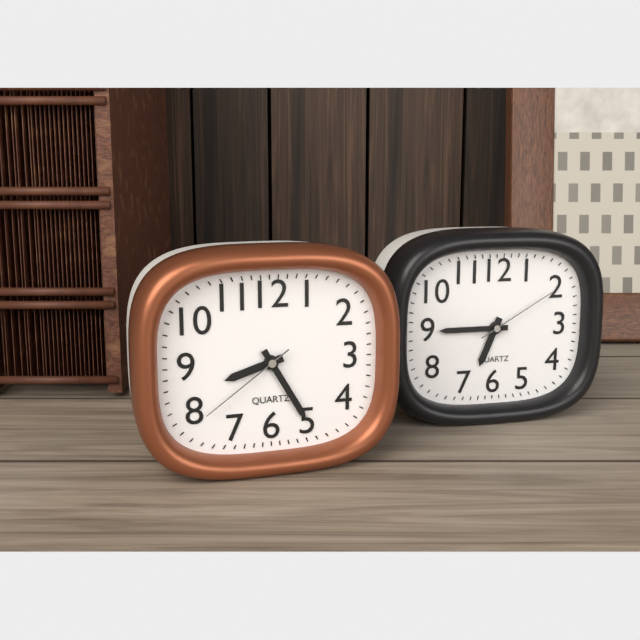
8:25:39
